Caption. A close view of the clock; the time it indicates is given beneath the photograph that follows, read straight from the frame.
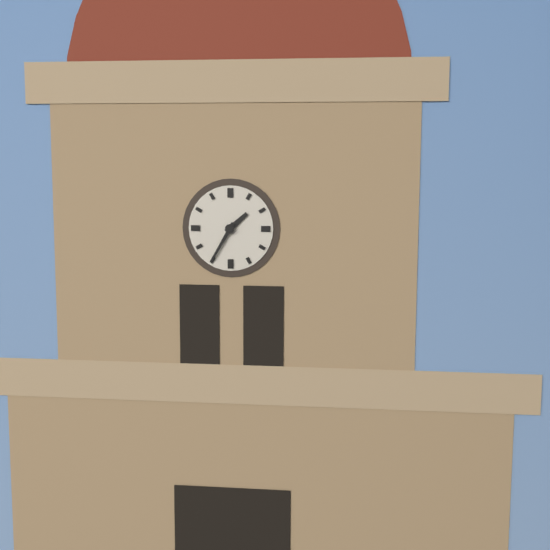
1:35
